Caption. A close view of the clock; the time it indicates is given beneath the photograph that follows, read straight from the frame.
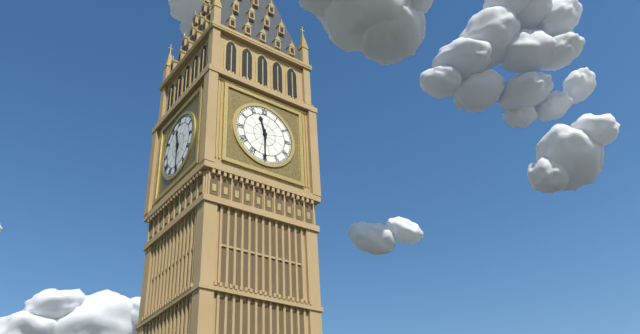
11:30
